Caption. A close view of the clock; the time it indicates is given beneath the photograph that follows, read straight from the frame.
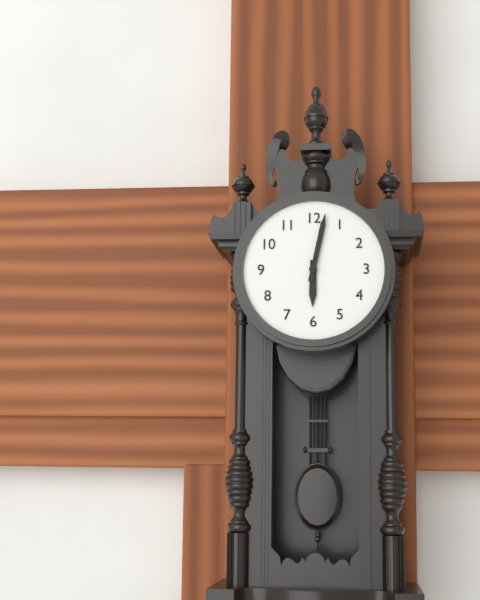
6:02
